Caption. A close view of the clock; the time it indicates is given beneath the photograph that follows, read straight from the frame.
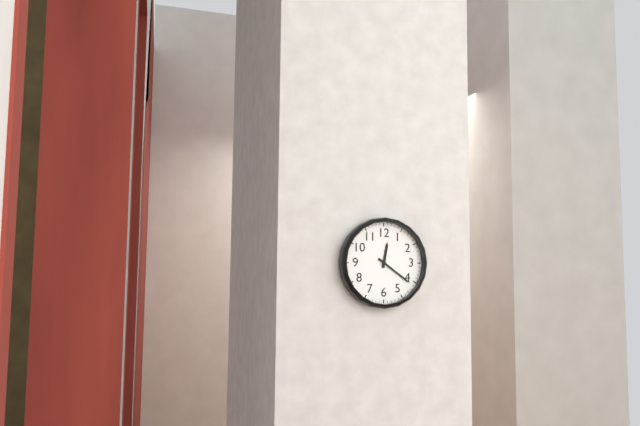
12:21
